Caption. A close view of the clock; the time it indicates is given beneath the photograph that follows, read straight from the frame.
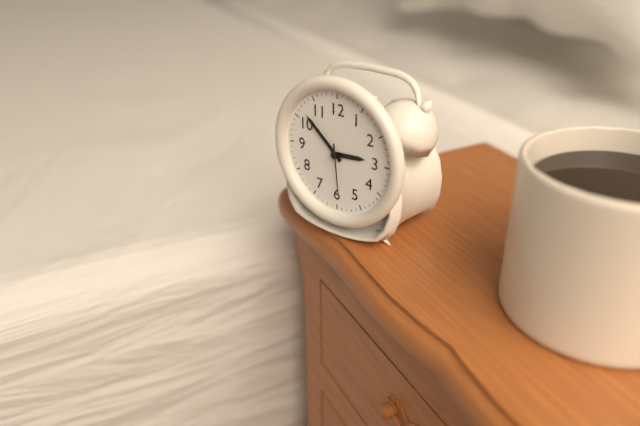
2:52
